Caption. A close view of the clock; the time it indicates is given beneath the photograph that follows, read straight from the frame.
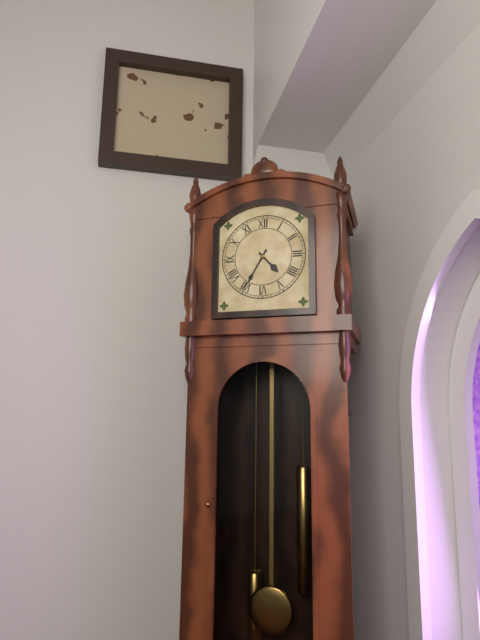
4:35
